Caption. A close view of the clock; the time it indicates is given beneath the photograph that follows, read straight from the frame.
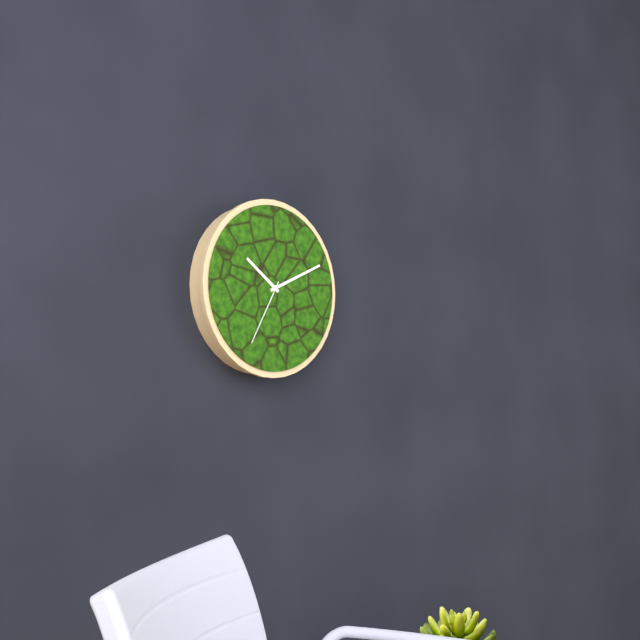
10:11:35
